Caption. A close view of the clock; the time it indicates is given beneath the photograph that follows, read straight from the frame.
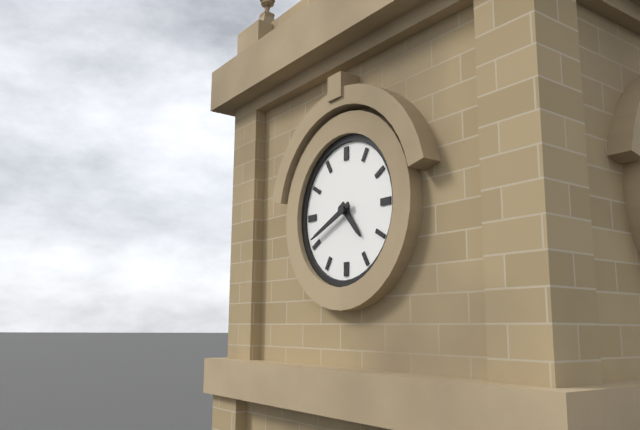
4:41
